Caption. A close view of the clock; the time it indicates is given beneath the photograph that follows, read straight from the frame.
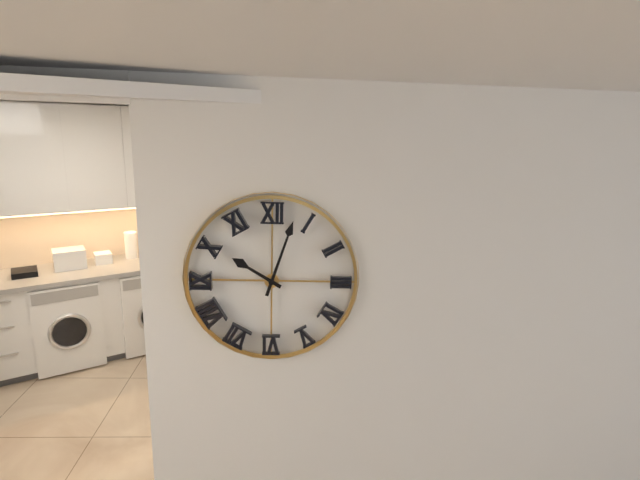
10:03
